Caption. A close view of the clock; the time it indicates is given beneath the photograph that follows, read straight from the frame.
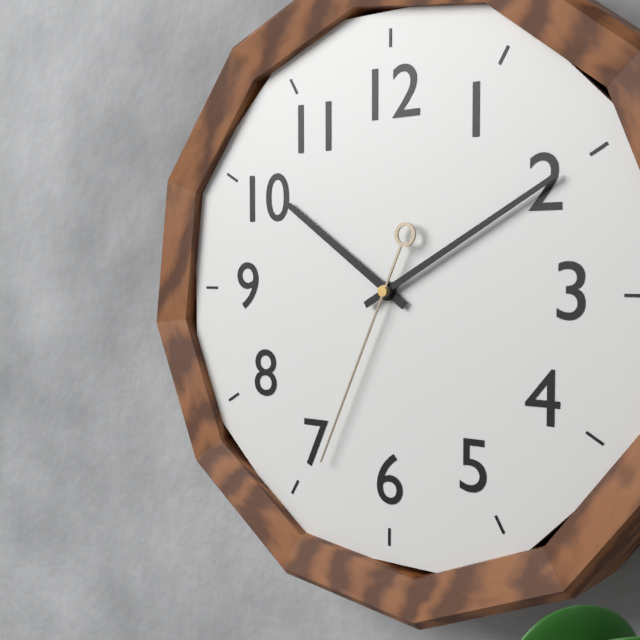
10:10:34
